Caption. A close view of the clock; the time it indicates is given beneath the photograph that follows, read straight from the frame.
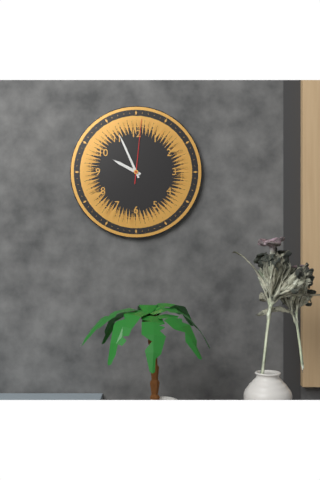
9:56:01
